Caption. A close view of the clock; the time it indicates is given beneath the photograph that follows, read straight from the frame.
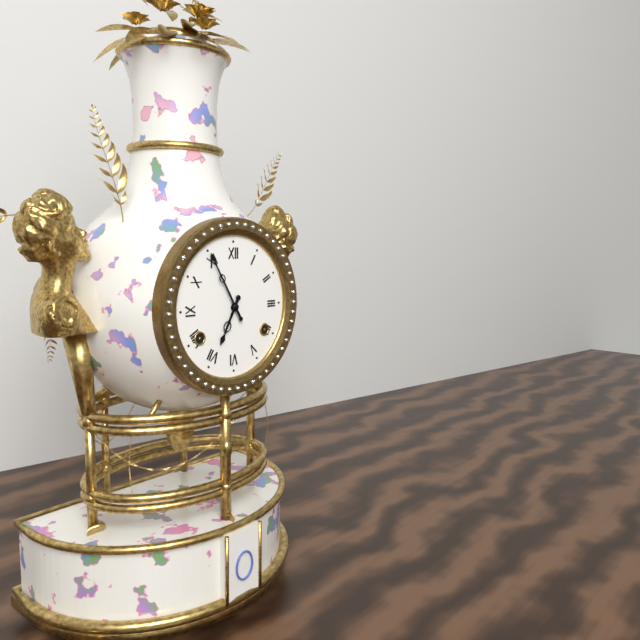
6:55
